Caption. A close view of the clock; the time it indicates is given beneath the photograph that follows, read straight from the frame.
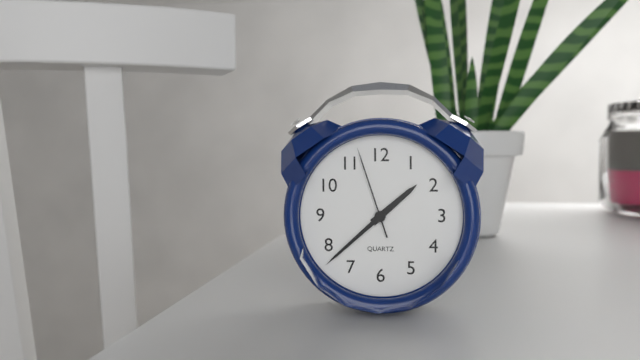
1:38:57
